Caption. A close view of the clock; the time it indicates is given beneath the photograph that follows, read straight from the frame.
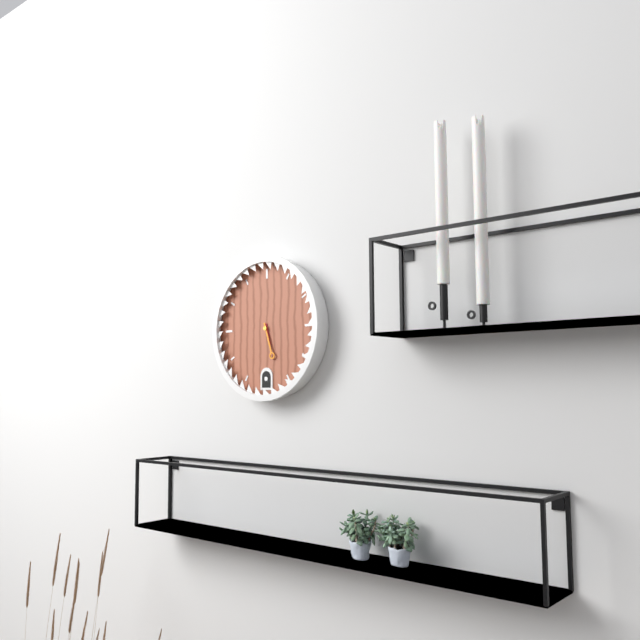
5:27
